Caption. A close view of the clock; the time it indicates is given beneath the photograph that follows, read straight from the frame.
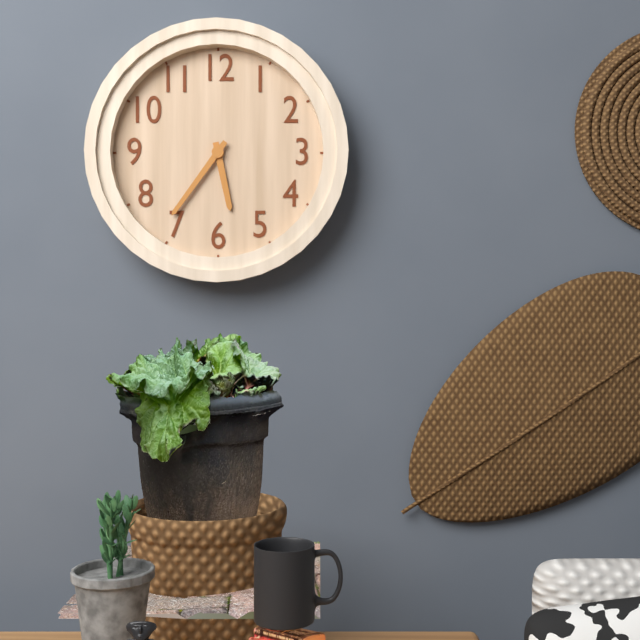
5:36
